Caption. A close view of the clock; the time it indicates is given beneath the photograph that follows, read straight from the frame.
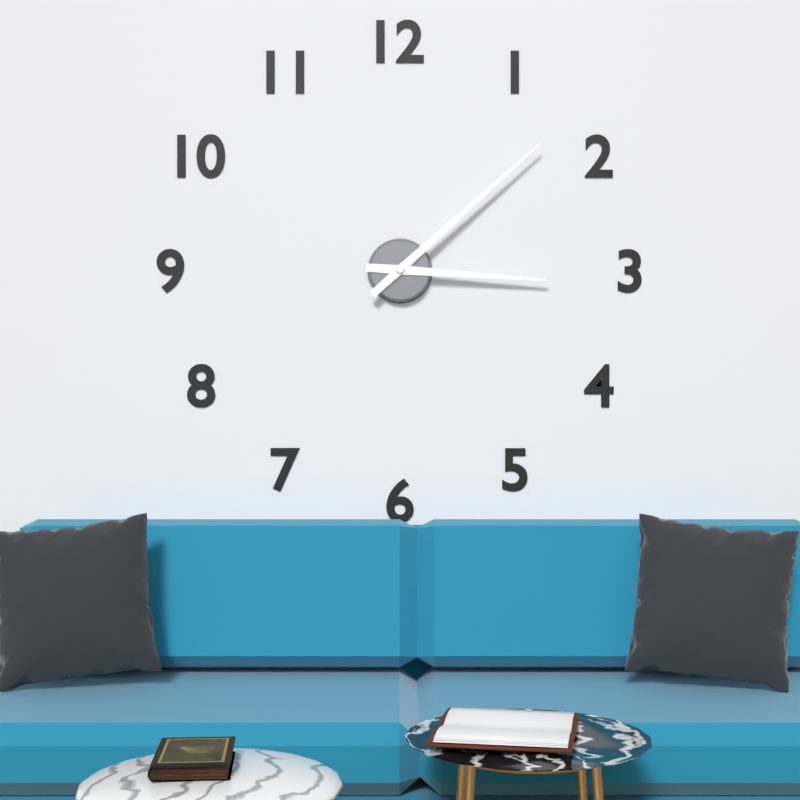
3:08
